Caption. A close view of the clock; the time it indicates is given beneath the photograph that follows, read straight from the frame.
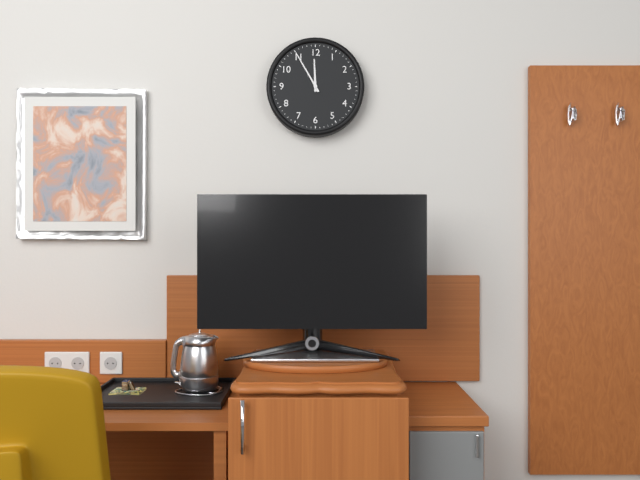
11:55
